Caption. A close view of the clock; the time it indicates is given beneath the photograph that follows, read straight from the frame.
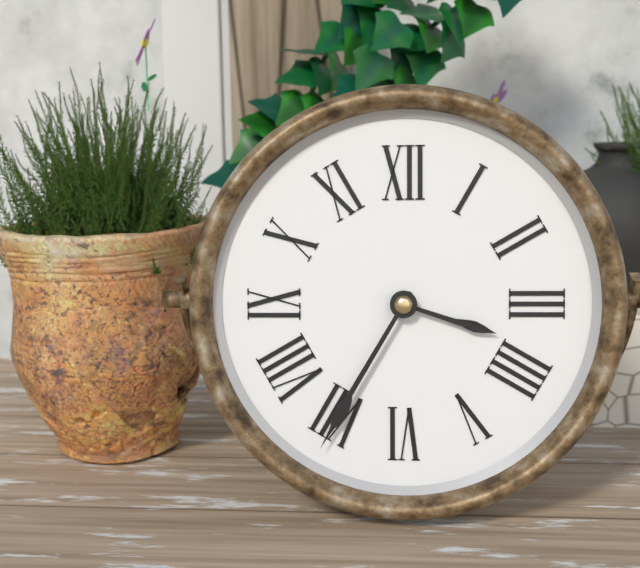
3:35
